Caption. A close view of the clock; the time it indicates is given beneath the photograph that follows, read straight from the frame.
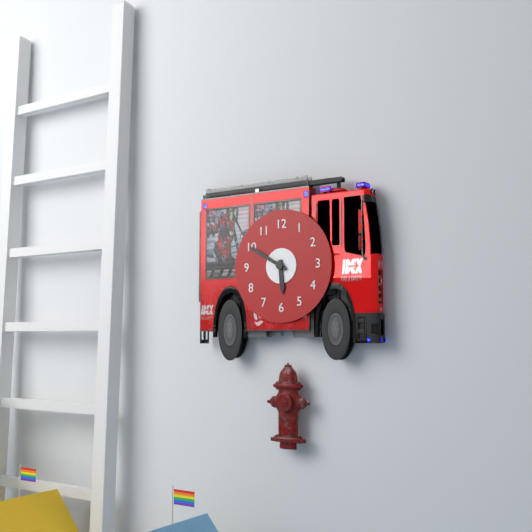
5:50
